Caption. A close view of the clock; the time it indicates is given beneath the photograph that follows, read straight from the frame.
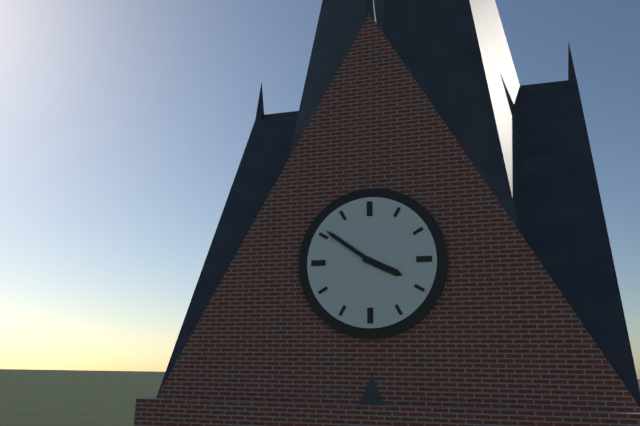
3:51
